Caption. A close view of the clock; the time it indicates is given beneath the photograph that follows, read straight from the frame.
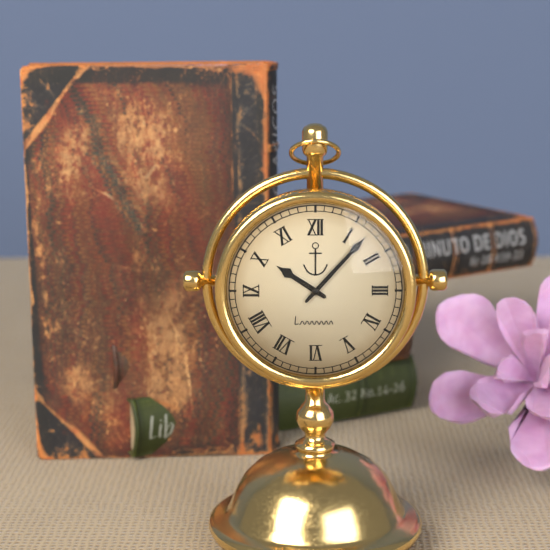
10:07
